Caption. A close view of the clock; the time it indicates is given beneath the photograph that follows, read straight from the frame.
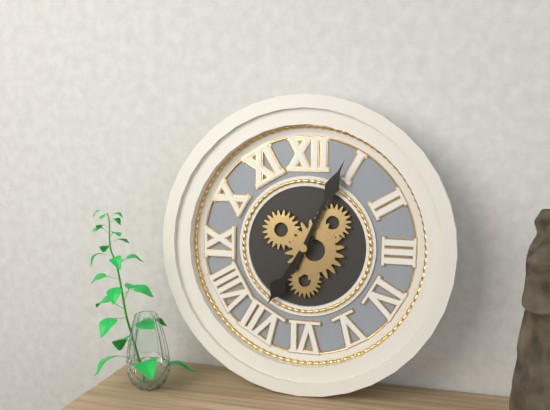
7:04
